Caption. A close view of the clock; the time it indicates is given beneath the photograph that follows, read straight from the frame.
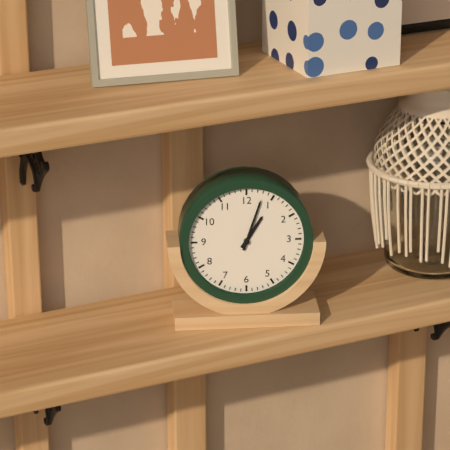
1:03
